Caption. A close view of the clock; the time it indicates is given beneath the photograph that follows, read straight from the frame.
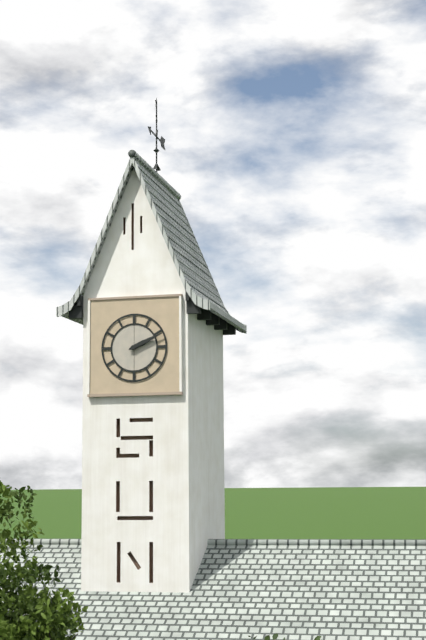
2:11
